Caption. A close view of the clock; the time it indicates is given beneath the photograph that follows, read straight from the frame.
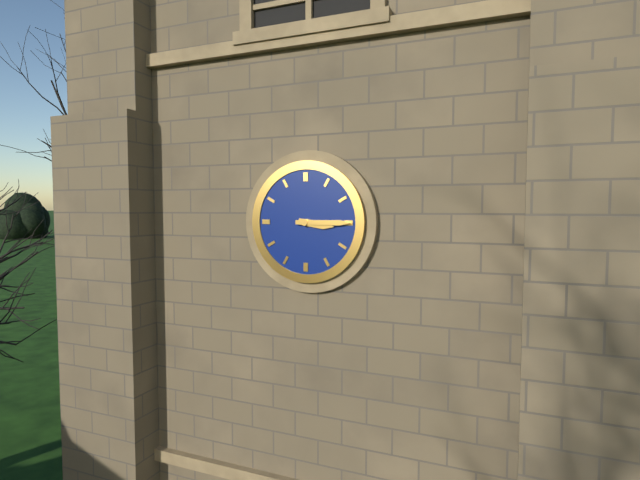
3:15
